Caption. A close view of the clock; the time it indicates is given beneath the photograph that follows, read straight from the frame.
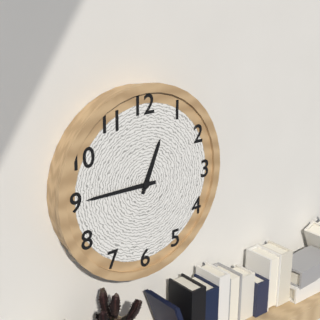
12:45
